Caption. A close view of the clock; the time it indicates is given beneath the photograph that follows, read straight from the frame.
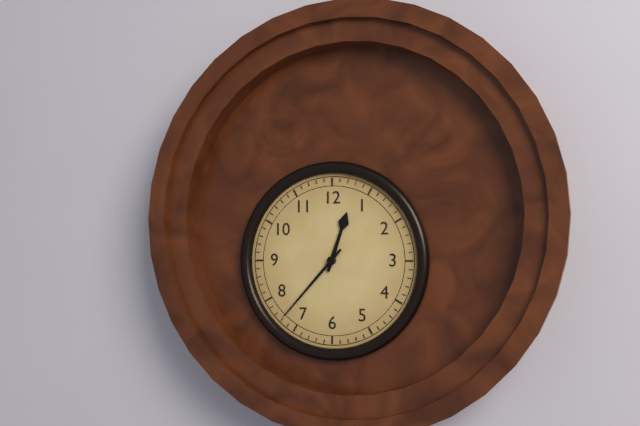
12:37
